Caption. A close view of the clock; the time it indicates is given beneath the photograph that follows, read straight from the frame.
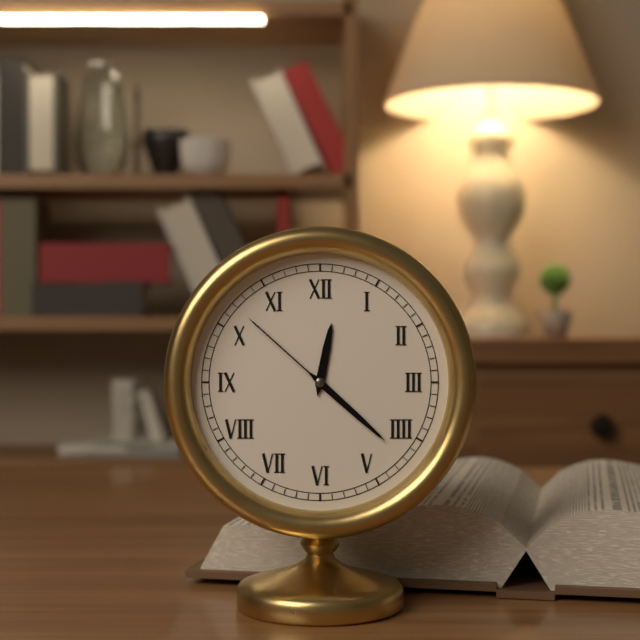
12:22:52
